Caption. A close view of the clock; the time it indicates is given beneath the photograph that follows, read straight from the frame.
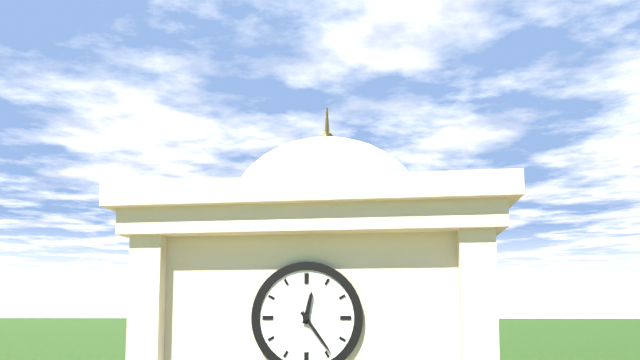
12:24
